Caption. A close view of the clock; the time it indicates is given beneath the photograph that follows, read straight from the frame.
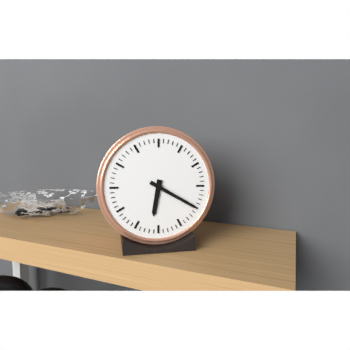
6:20
